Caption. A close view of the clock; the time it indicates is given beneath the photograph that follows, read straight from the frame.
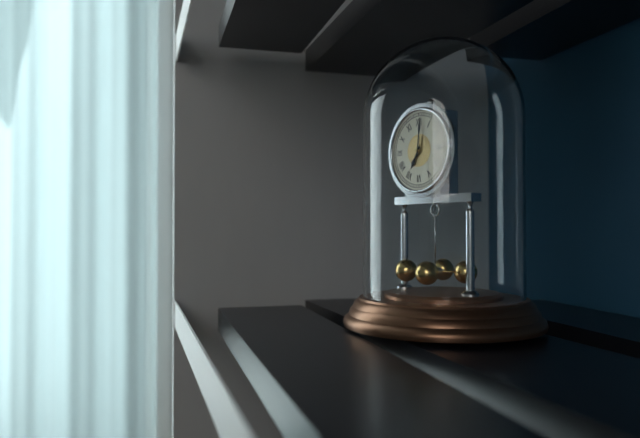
7:01
